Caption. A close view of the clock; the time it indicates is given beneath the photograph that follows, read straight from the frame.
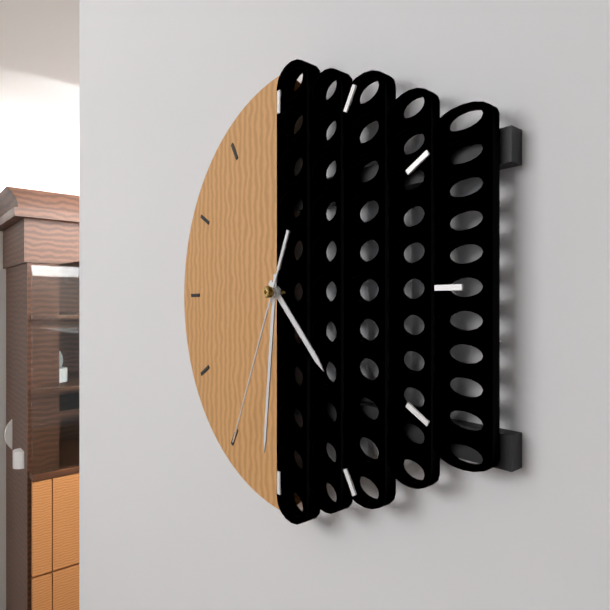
4:31:34
